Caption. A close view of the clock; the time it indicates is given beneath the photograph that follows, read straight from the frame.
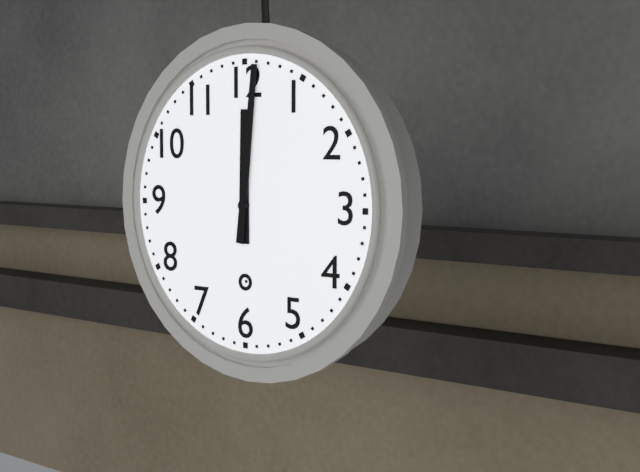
12:01
